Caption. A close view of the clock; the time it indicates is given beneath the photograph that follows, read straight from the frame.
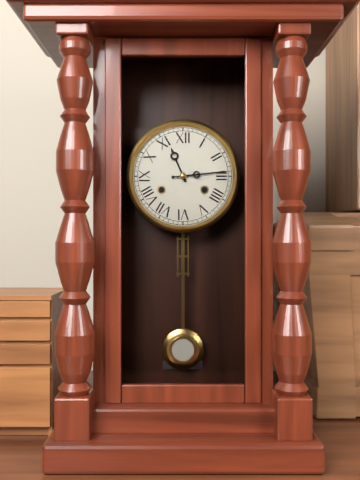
11:14
